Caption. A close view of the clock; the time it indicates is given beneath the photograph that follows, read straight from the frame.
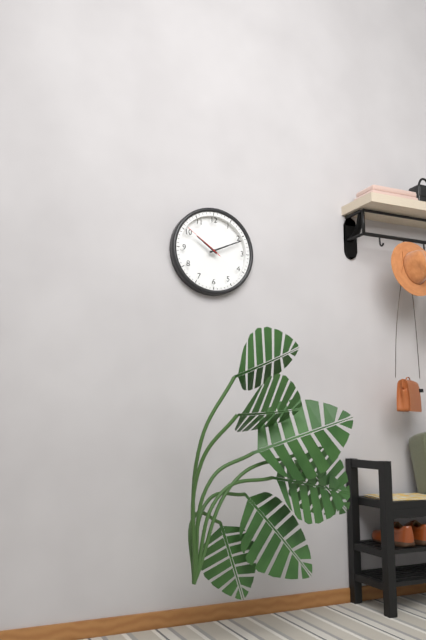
10:11
